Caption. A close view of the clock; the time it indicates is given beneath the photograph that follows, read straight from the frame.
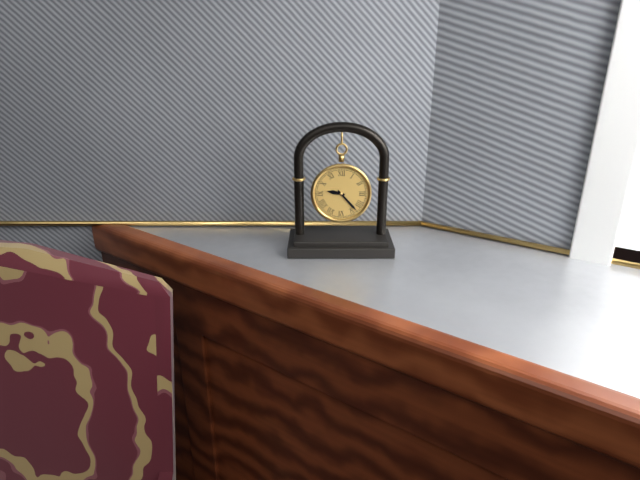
9:23
